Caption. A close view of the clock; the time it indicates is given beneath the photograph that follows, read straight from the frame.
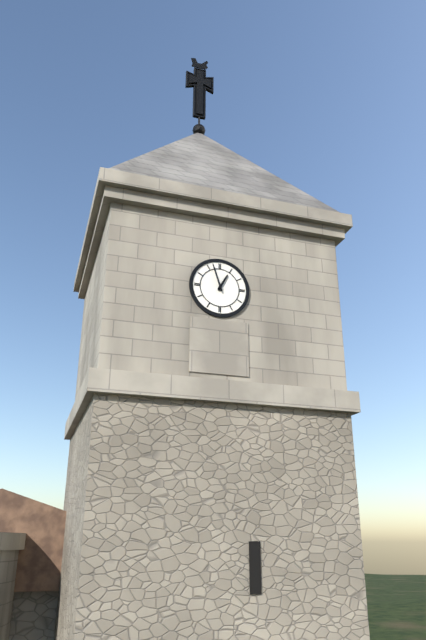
12:57
